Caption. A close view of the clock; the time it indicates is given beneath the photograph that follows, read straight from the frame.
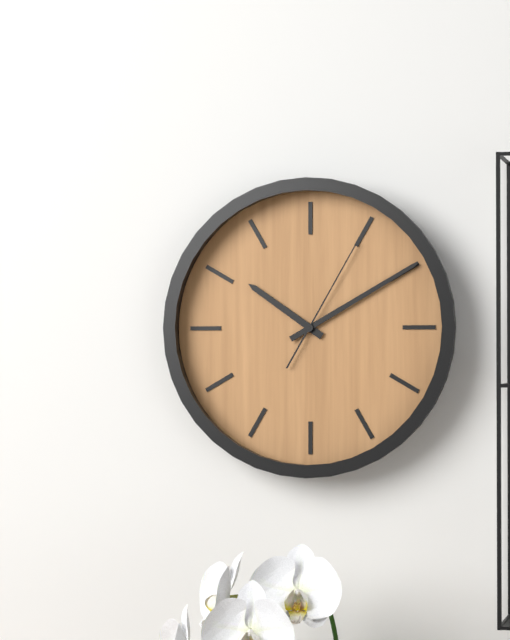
10:10:05
